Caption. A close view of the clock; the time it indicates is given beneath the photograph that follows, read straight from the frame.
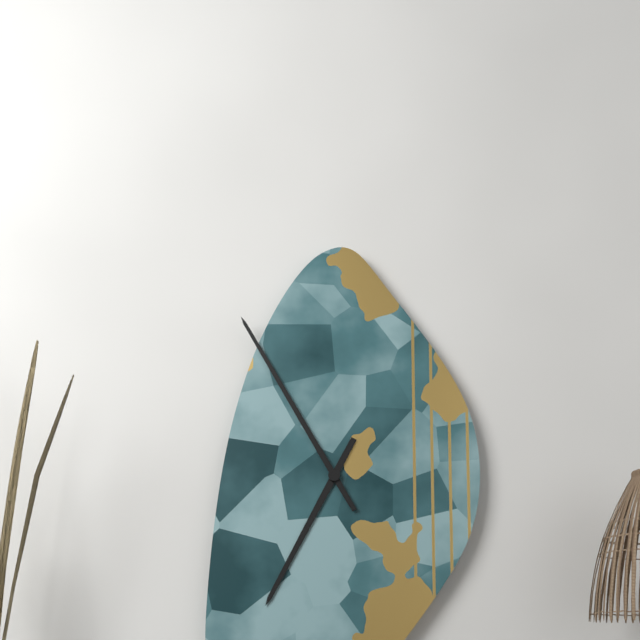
6:55
